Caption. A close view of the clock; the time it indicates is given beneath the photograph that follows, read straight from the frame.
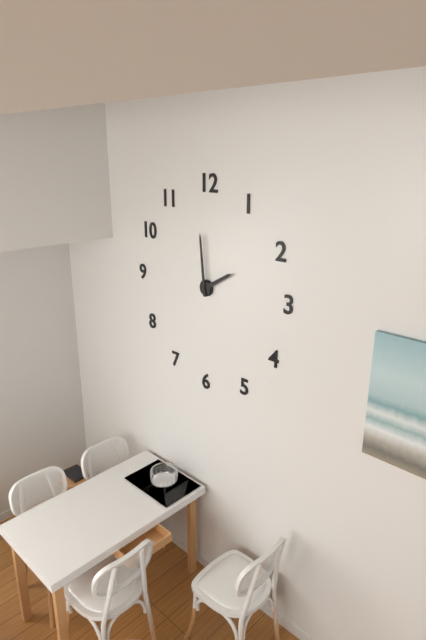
1:59
